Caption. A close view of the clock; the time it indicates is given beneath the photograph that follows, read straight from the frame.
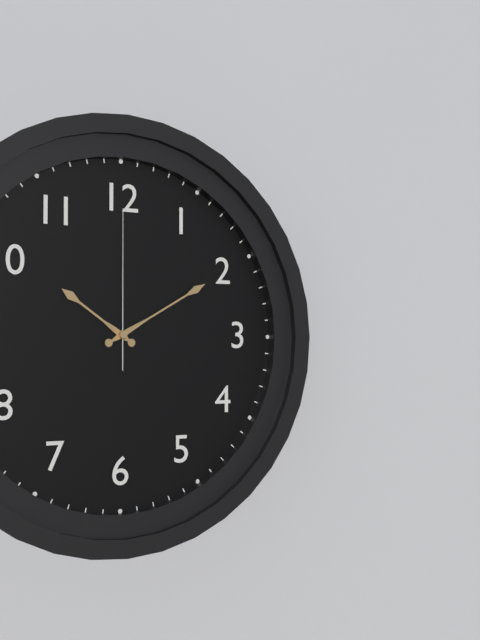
10:10:00
